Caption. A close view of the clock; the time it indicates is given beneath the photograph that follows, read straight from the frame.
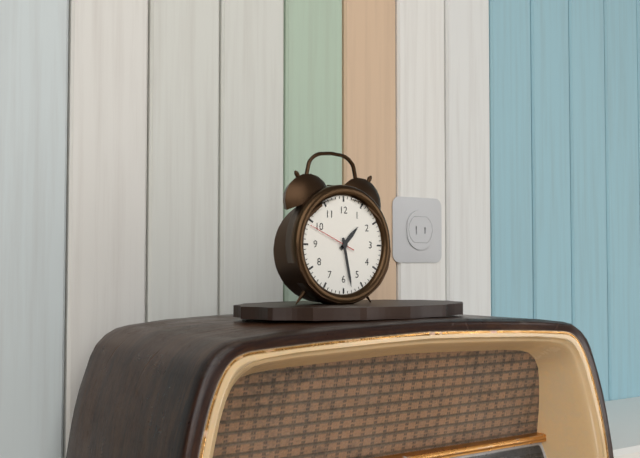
1:28
